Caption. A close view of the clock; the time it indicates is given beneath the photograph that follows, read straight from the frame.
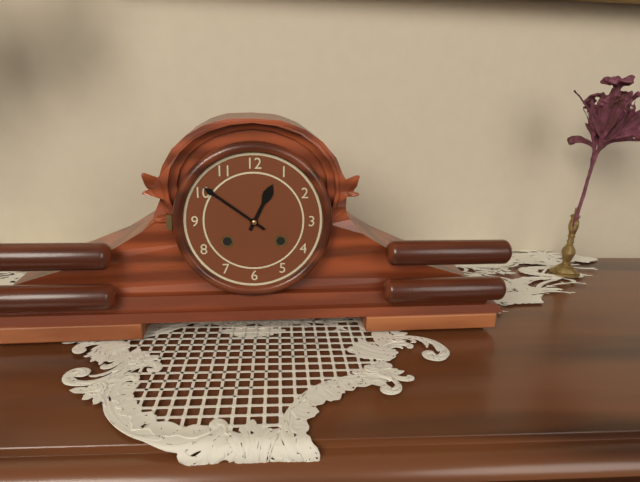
12:51
